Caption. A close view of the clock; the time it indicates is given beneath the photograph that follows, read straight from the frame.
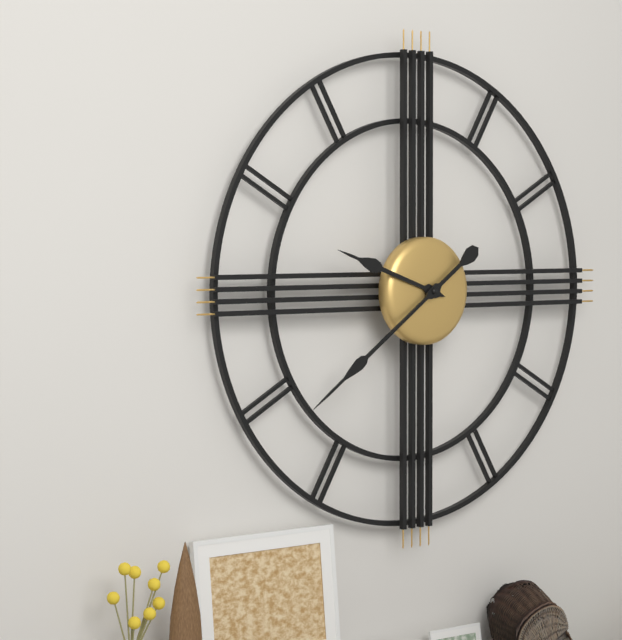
9:39
